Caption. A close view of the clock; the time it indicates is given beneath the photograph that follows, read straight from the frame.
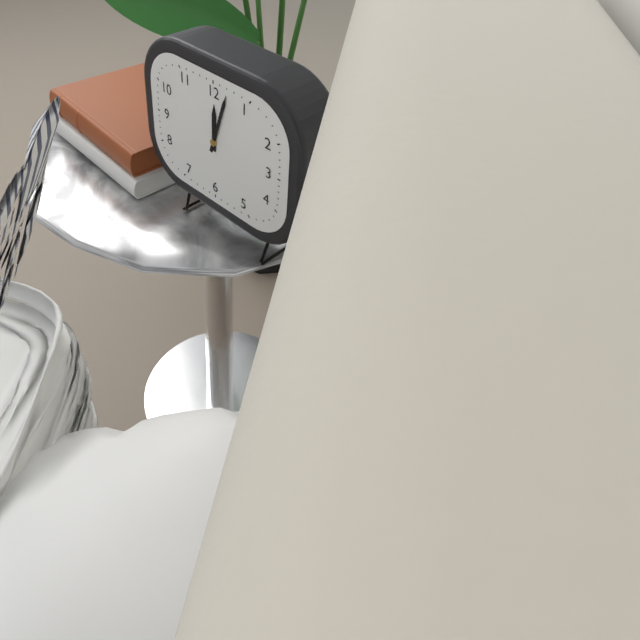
12:03
